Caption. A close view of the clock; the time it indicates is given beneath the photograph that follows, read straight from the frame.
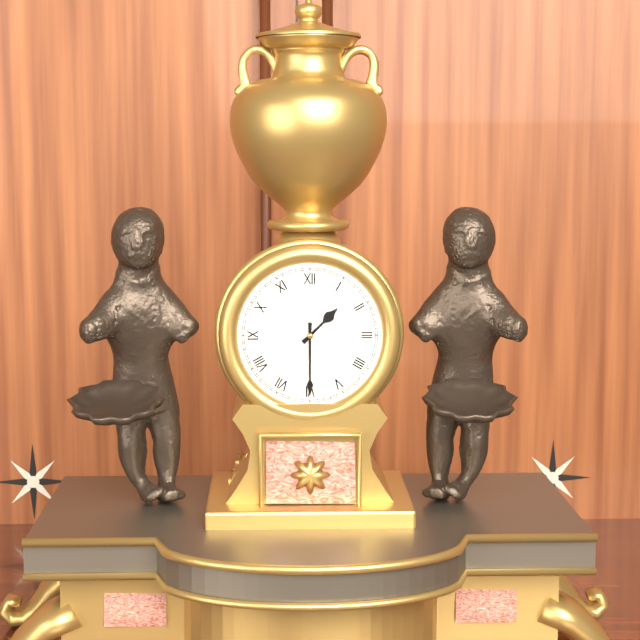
1:30
